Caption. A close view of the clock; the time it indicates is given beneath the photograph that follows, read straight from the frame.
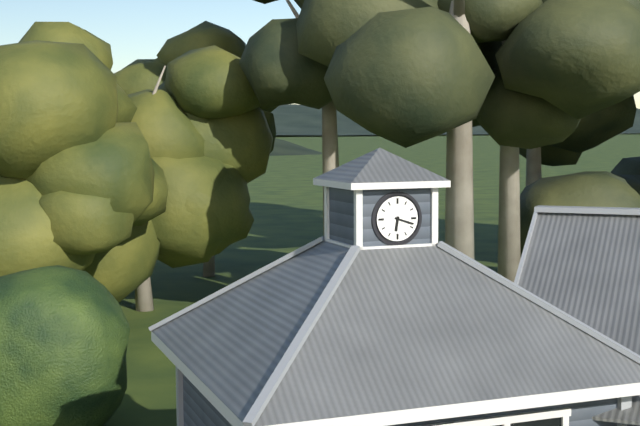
6:18
